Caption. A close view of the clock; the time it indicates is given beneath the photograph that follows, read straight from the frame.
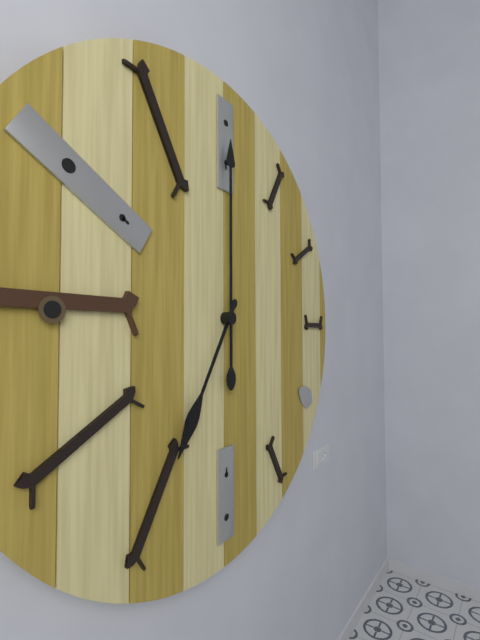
7:00
